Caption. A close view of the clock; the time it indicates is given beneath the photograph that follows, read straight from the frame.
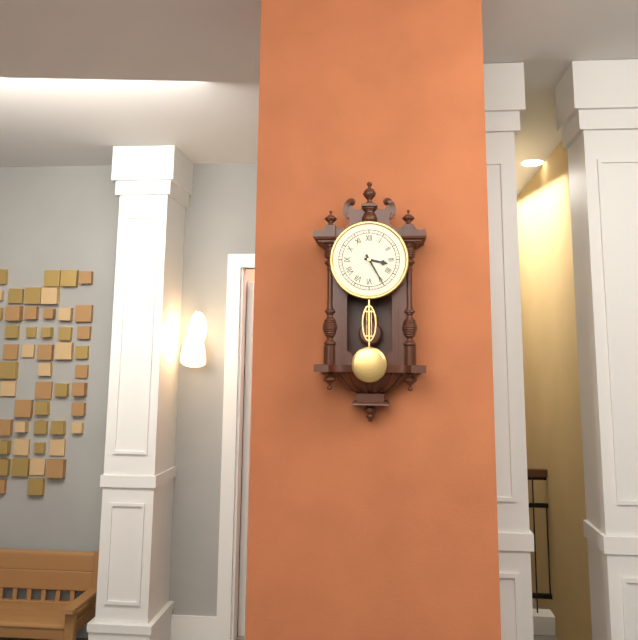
3:25
